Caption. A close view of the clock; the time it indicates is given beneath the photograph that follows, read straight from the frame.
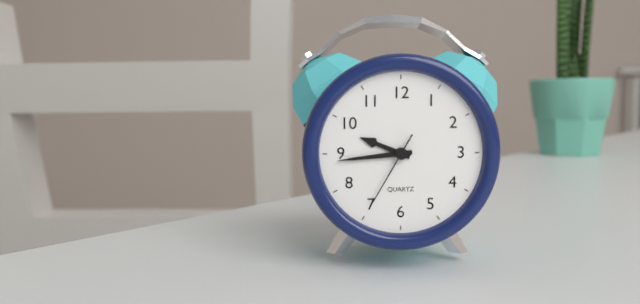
9:44:35
